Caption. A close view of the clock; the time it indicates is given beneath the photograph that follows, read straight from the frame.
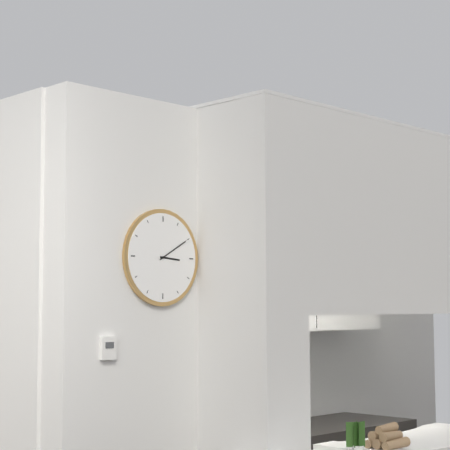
3:10
